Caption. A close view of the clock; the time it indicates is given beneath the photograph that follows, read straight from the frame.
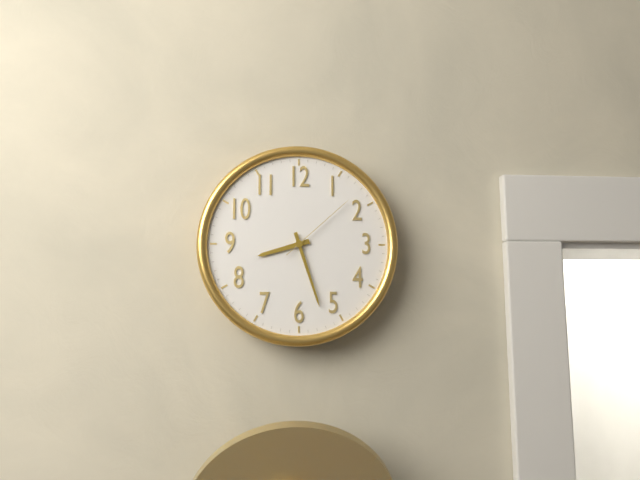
8:27:08
